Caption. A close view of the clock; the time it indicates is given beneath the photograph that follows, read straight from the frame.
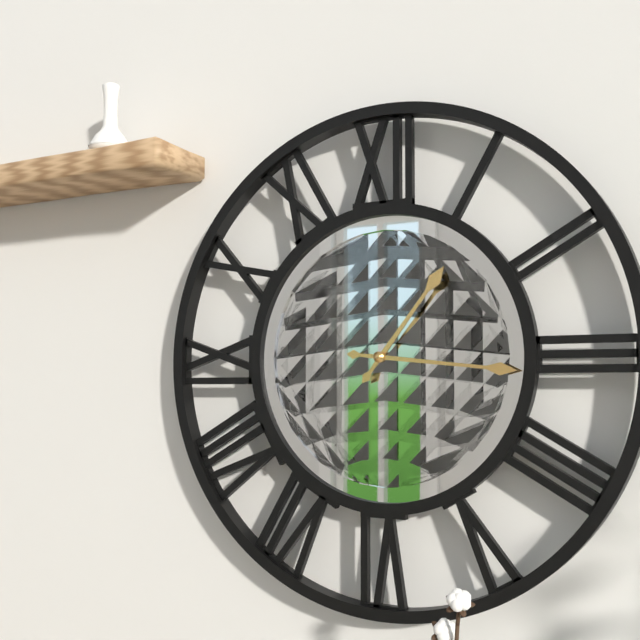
1:16
